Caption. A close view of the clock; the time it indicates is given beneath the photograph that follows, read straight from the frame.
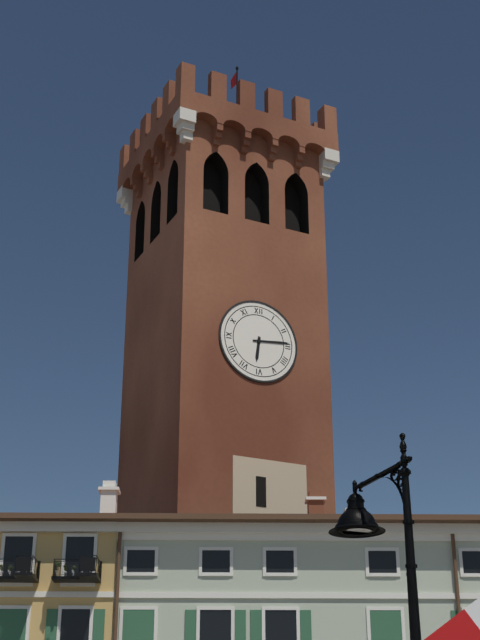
6:14
